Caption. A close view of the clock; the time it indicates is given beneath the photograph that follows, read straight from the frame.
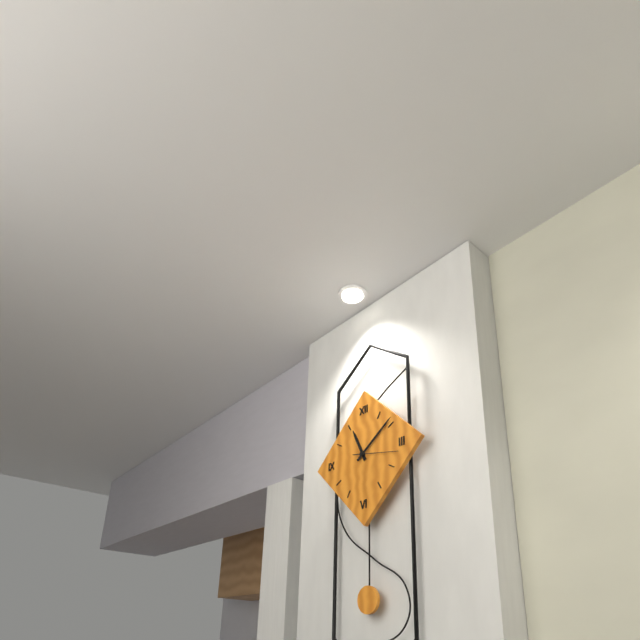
11:09
